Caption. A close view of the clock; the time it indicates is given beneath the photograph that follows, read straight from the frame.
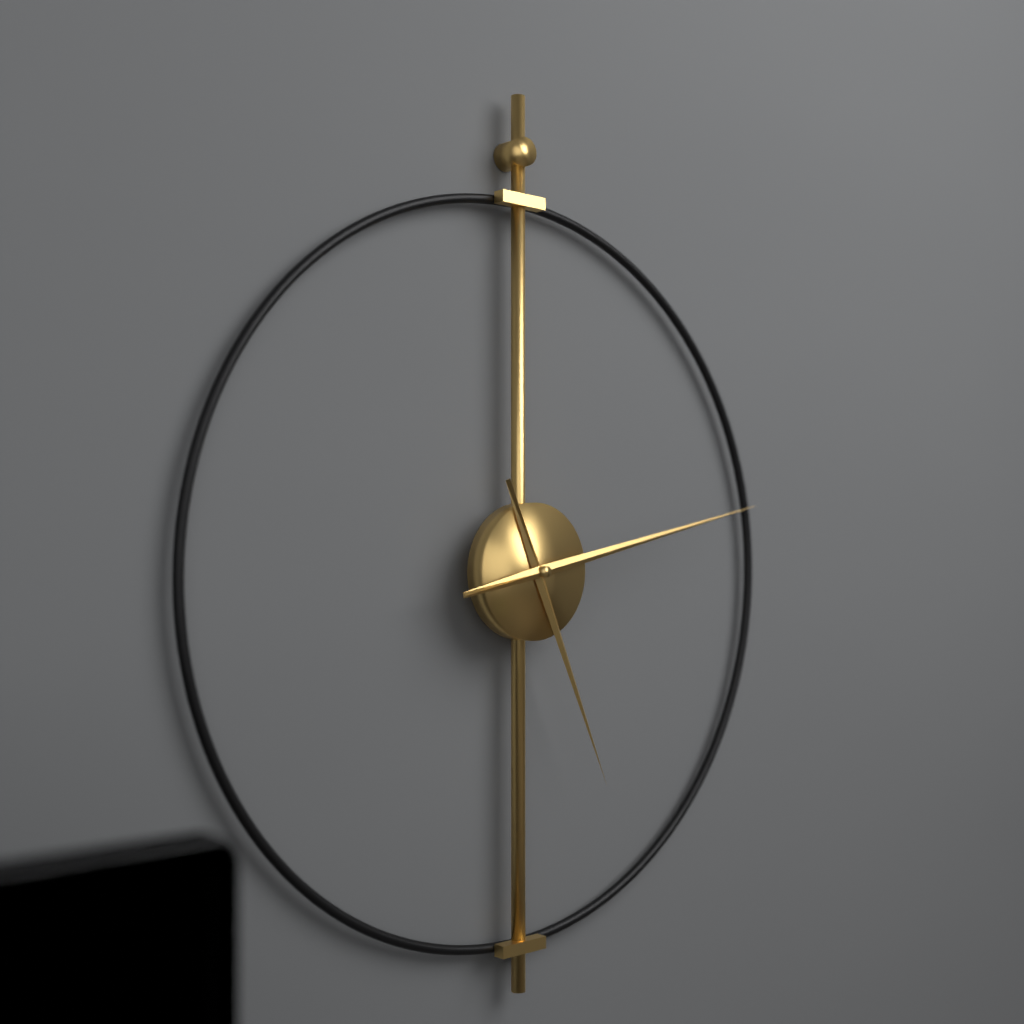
5:13
